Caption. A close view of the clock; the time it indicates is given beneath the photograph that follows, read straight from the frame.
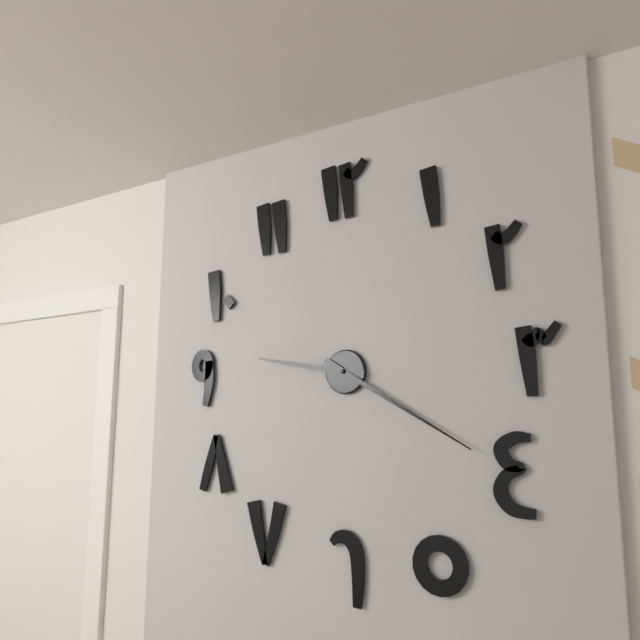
9:20
